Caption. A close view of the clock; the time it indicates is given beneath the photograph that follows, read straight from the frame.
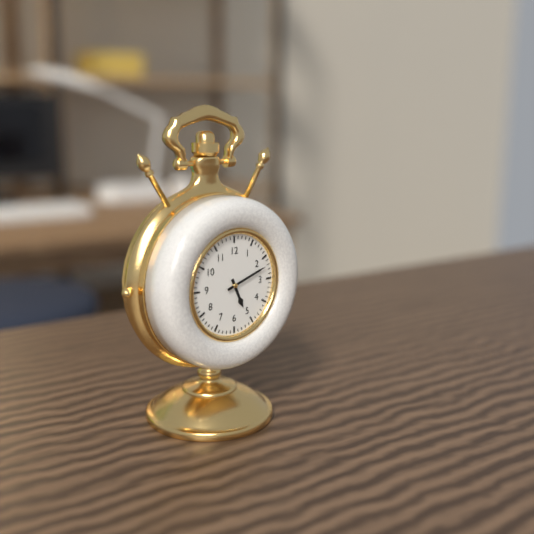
5:12
